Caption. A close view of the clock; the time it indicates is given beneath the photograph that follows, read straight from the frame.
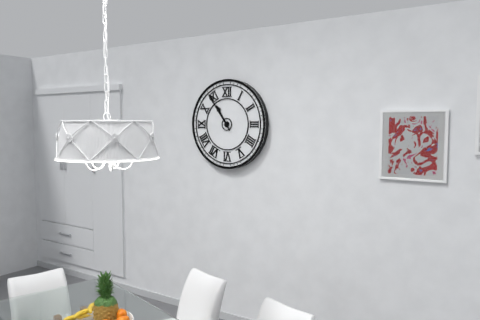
10:54
